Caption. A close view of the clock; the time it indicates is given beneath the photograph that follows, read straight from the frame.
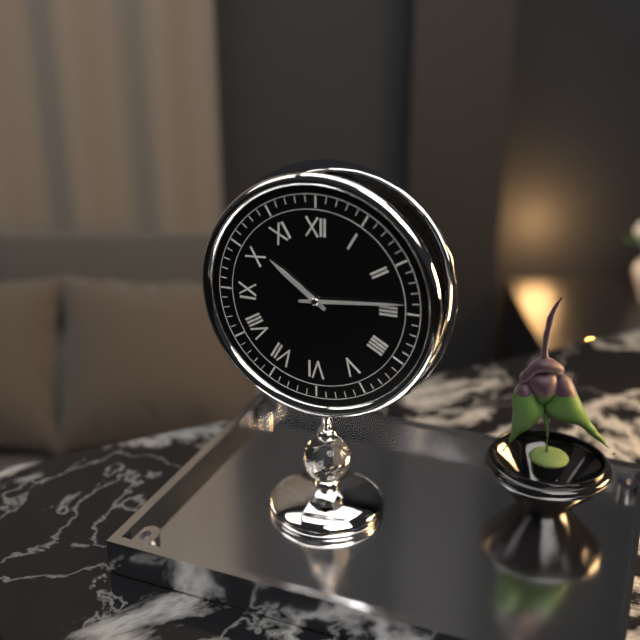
10:14
